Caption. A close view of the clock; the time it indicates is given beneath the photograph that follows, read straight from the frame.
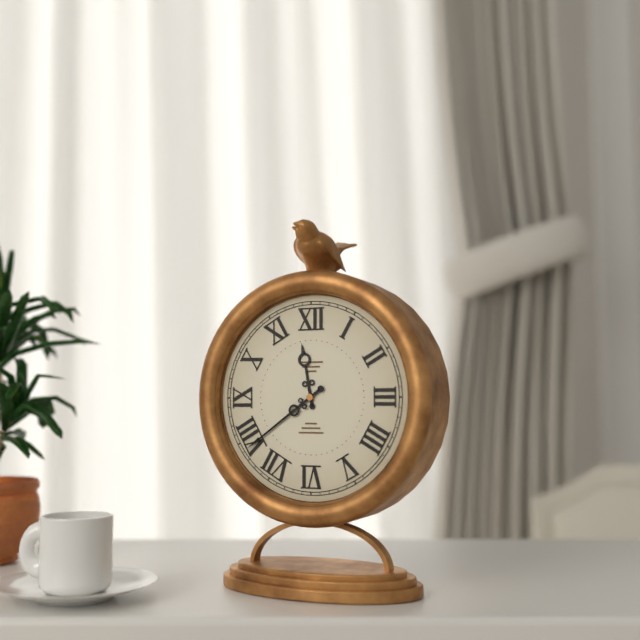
11:39
